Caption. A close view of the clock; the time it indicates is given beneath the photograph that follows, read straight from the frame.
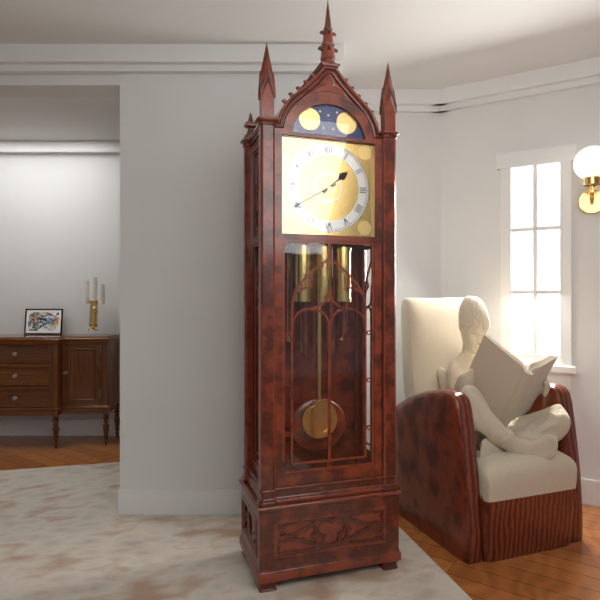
1:40
